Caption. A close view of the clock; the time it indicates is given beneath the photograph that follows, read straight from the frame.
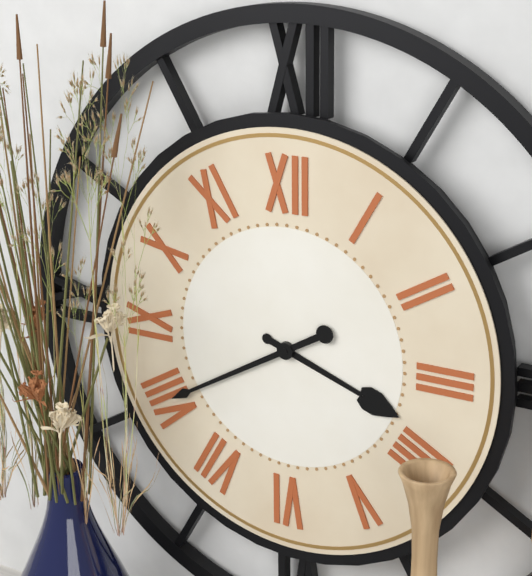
3:40
